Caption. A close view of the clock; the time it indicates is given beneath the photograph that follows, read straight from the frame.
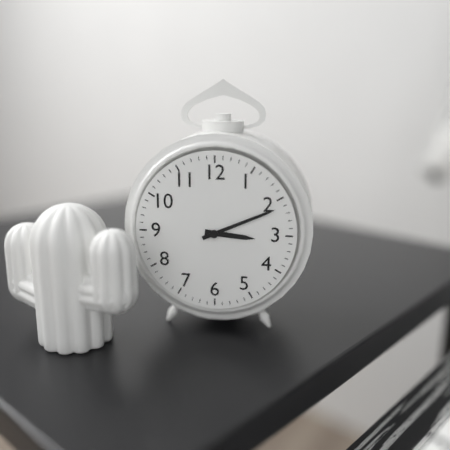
3:11
